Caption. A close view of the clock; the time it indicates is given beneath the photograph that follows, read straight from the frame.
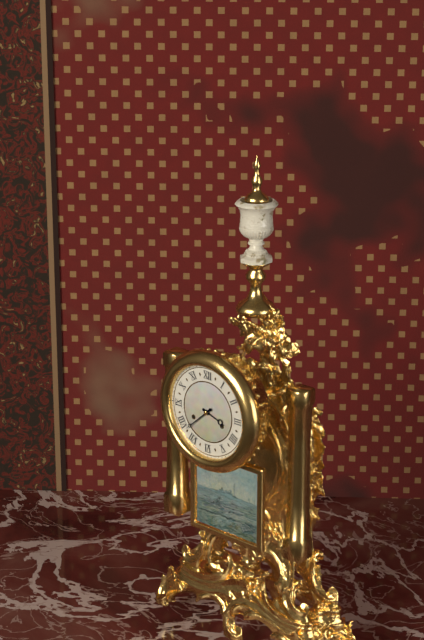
3:38
